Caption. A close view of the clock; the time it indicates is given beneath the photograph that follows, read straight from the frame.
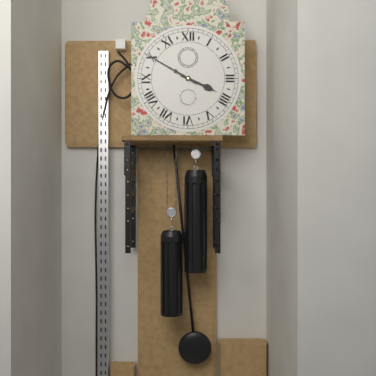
3:50
